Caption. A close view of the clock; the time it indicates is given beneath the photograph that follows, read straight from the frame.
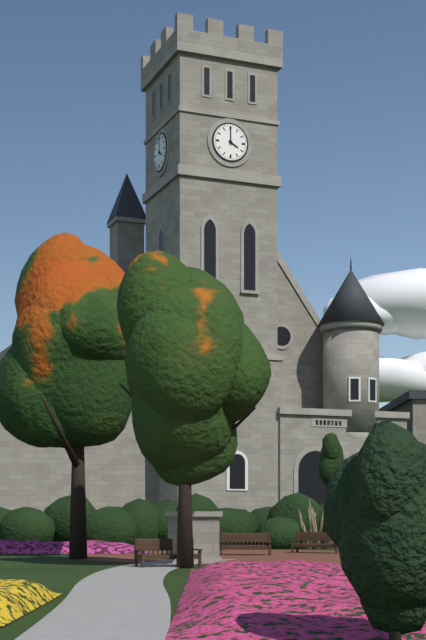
4:00
